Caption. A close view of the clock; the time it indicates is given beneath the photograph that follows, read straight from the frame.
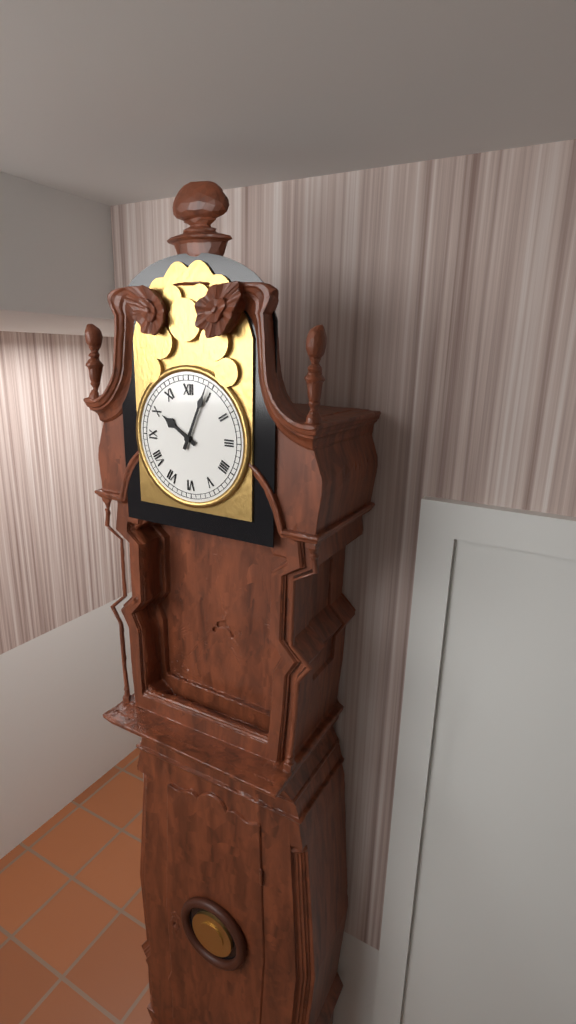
10:04
